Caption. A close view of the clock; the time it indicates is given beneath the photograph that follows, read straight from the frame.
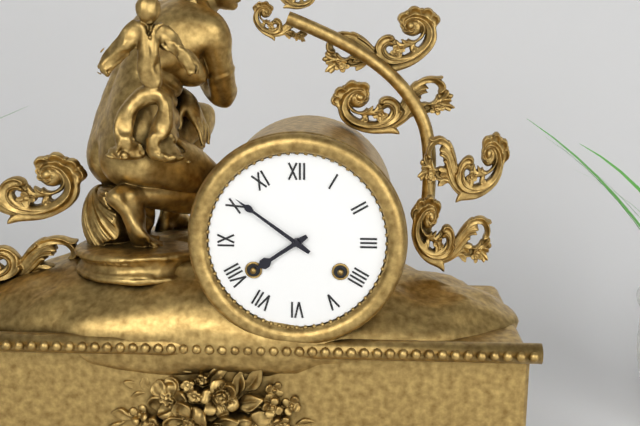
7:51
